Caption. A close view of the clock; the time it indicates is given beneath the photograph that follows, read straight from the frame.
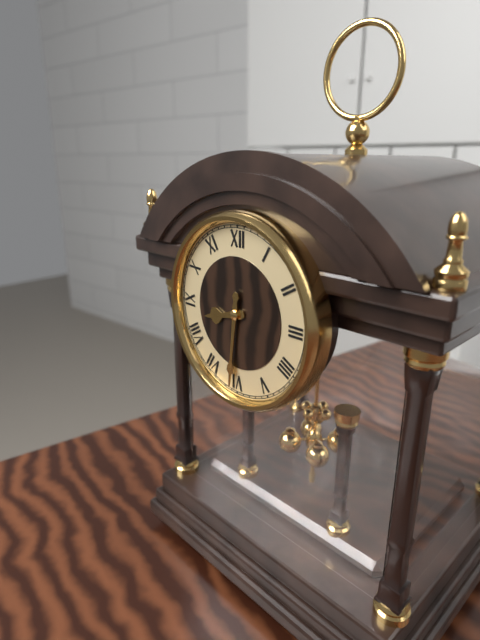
8:31
